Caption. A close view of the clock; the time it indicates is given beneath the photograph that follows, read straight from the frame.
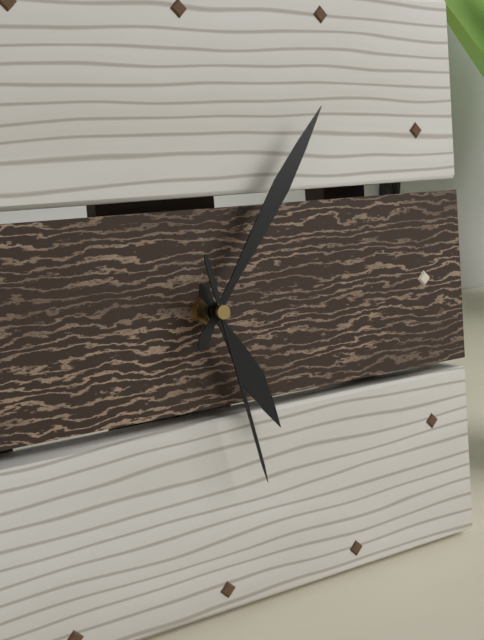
5:06:28
